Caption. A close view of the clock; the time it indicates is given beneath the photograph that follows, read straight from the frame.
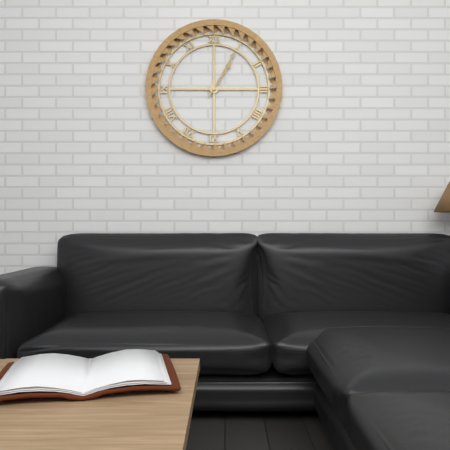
1:05
